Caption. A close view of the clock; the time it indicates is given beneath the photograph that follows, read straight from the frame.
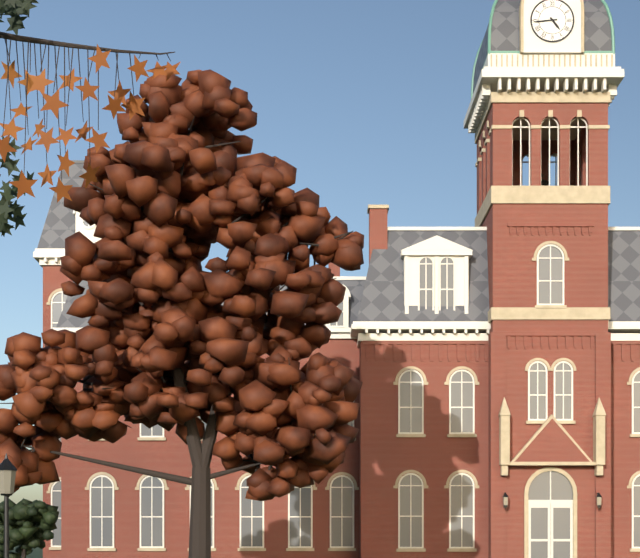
4:44
